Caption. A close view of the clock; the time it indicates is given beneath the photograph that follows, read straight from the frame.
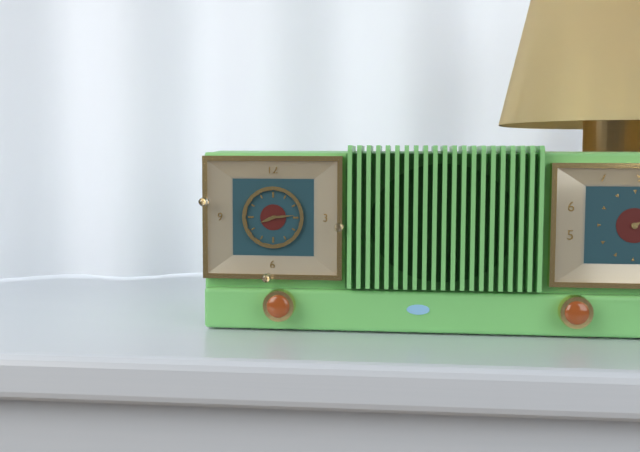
8:14
